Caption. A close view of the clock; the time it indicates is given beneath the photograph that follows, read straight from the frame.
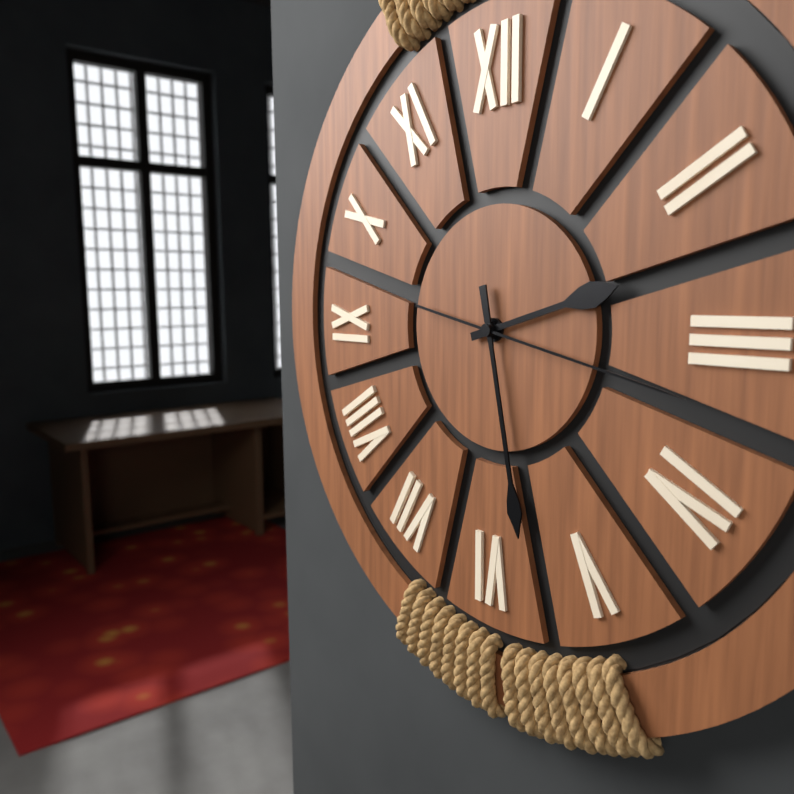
2:28:17
